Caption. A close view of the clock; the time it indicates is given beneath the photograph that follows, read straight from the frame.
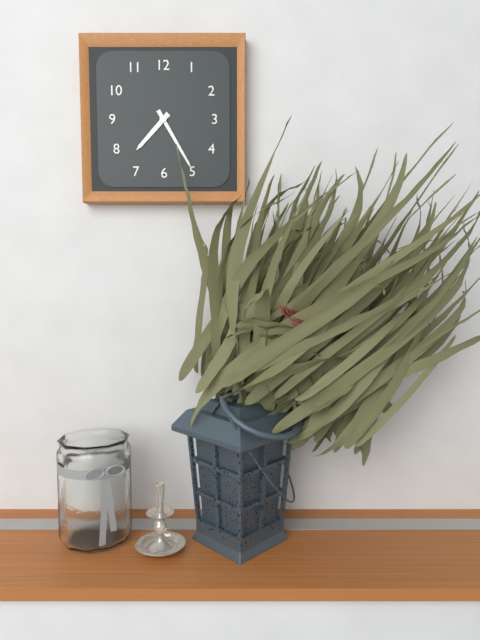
7:25
